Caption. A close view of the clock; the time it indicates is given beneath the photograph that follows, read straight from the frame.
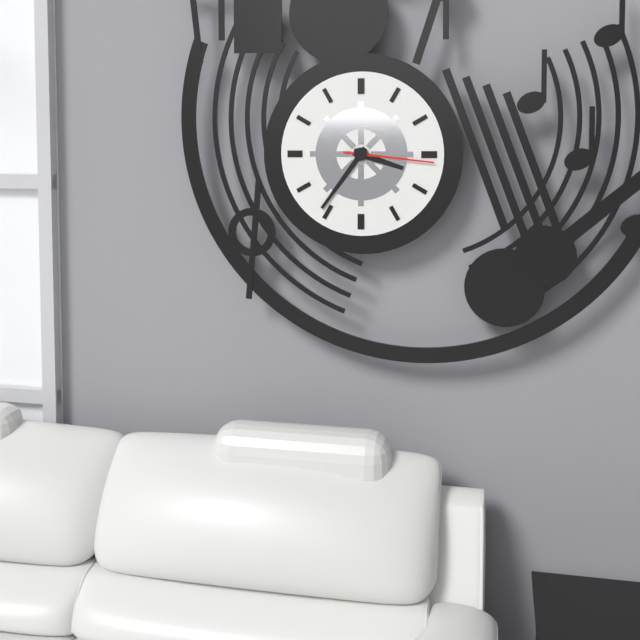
3:36:16
